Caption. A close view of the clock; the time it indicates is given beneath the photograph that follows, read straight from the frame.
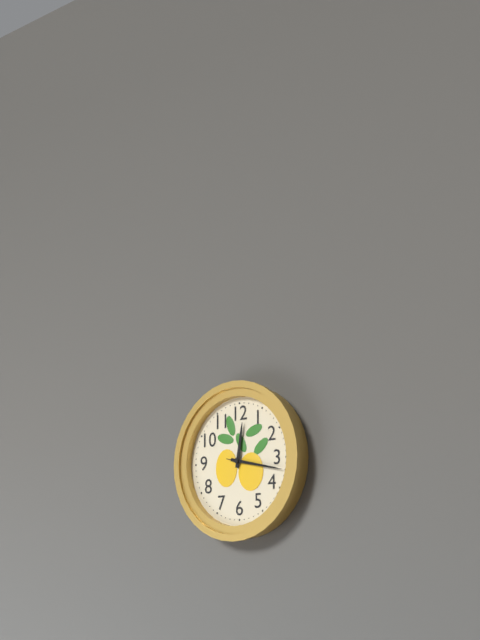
12:17:17
